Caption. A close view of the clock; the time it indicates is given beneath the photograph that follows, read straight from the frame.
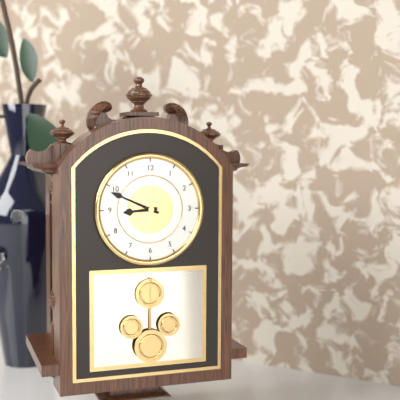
8:49
